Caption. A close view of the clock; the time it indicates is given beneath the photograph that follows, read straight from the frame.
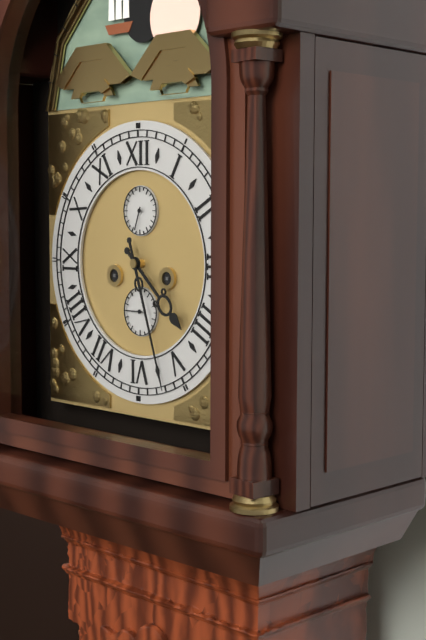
4:27
